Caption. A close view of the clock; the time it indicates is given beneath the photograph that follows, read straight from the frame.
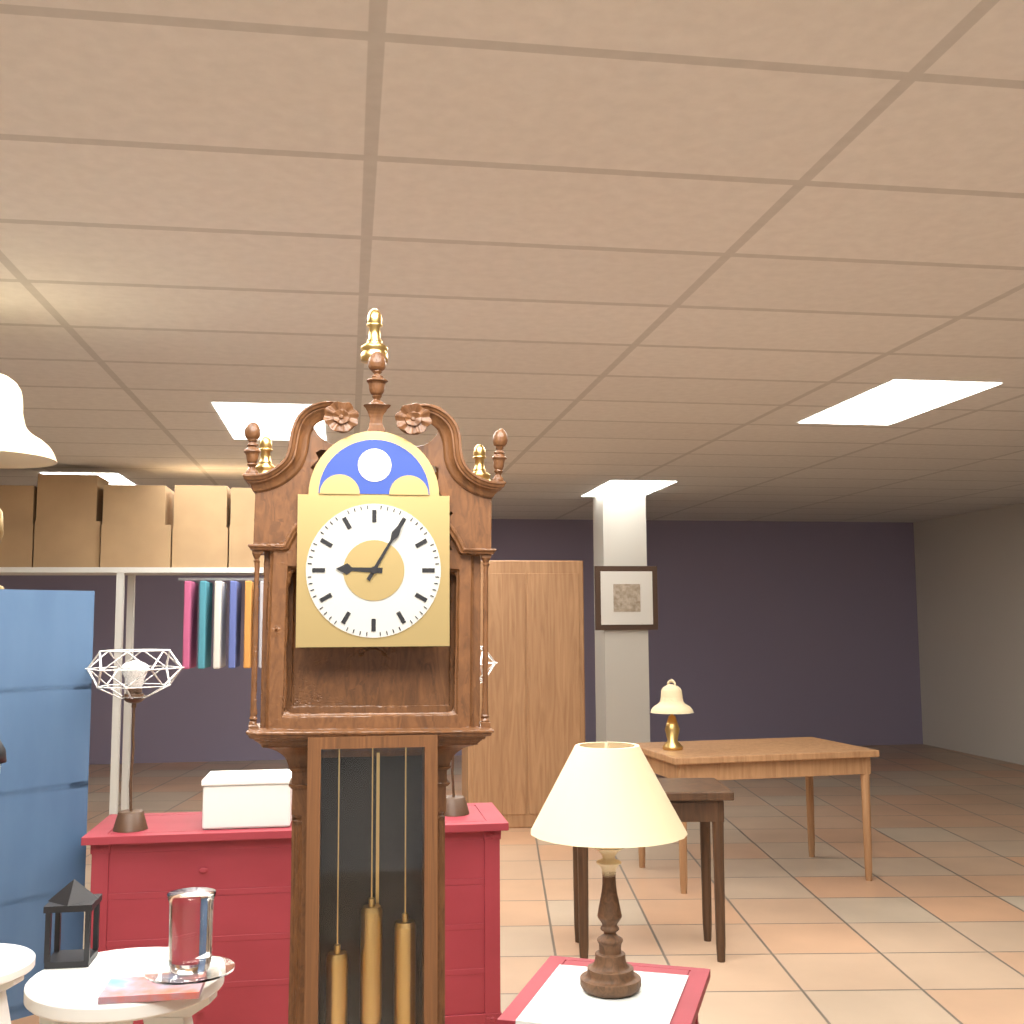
9:05
